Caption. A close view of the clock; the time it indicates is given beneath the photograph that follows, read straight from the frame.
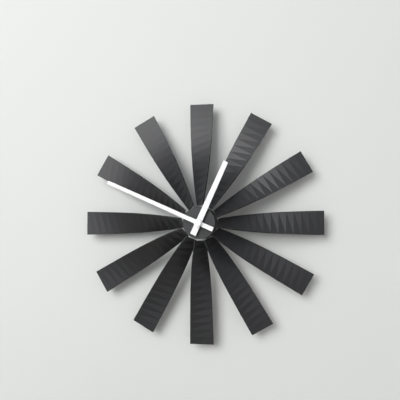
12:49
